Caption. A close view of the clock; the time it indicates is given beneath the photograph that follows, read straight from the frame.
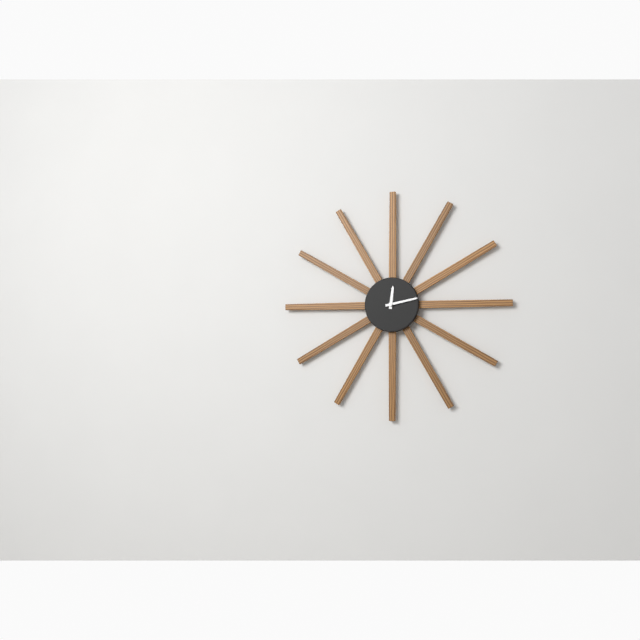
12:13
